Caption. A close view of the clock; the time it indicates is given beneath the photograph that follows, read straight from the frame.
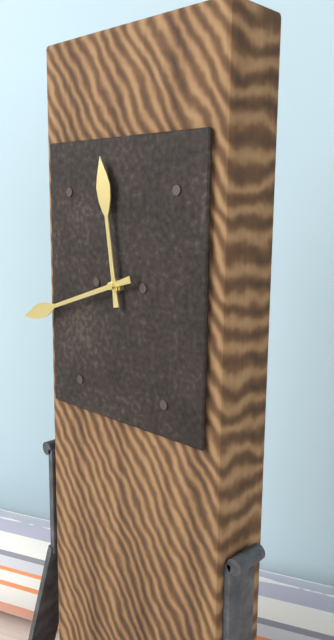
11:42
